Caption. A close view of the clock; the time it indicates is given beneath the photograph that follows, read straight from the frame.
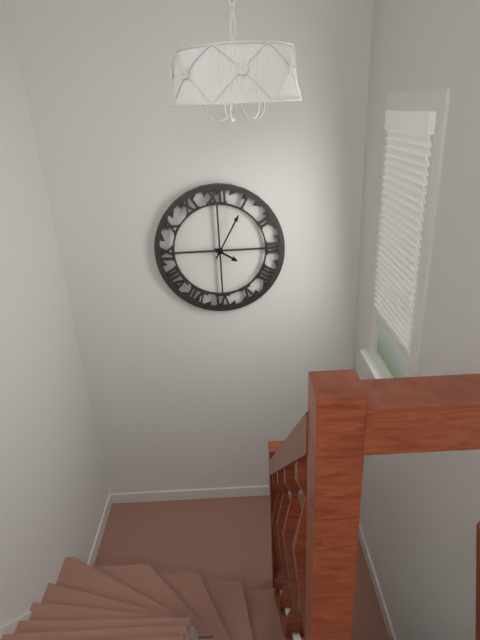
4:05
